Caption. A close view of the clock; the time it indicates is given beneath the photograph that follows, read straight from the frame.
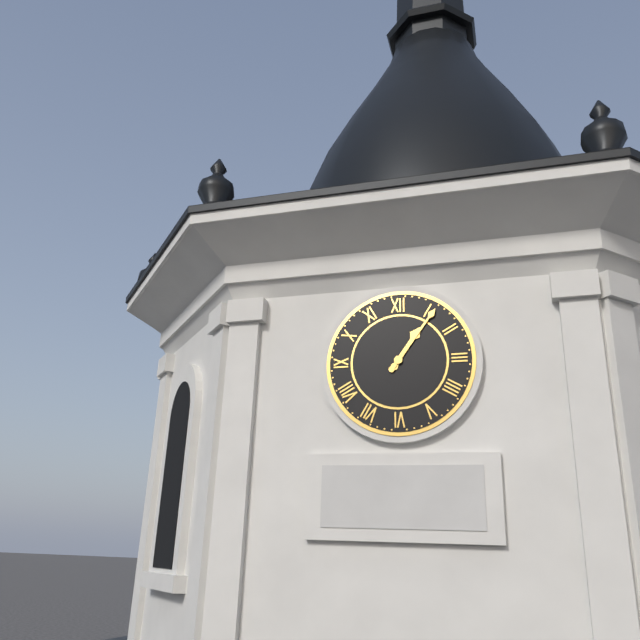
1:06
